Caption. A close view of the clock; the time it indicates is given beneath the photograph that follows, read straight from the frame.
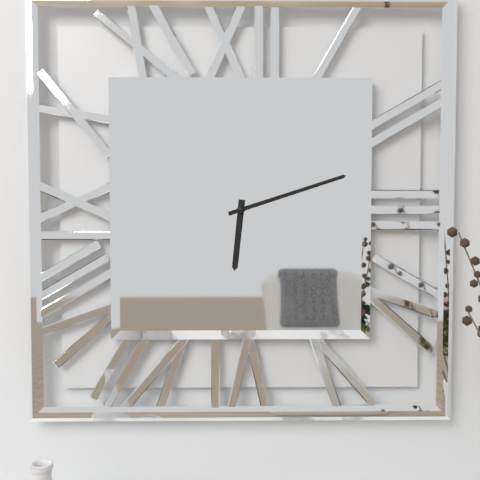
6:12
